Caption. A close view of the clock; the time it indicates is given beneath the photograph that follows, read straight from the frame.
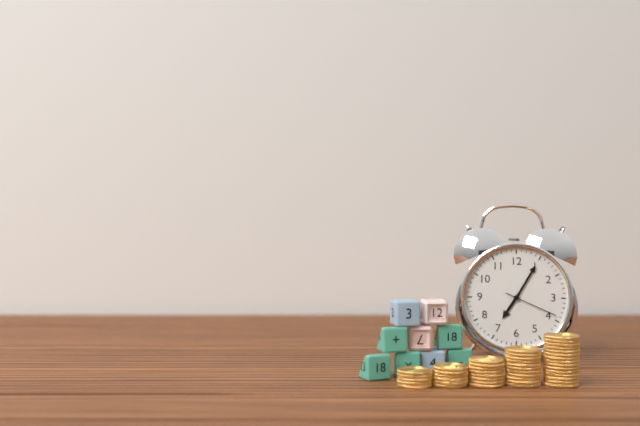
7:05:19
